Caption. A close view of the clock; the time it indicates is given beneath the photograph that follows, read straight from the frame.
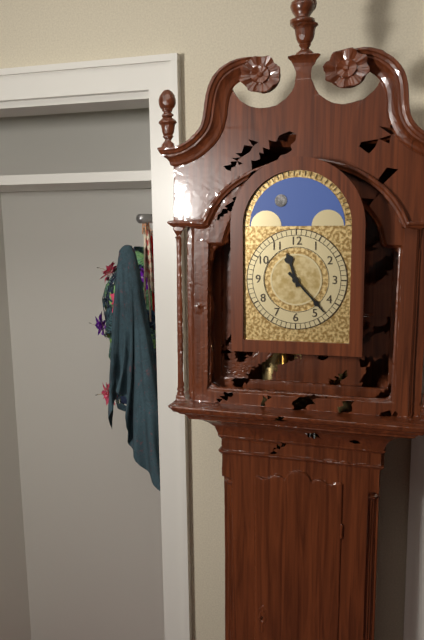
11:23
